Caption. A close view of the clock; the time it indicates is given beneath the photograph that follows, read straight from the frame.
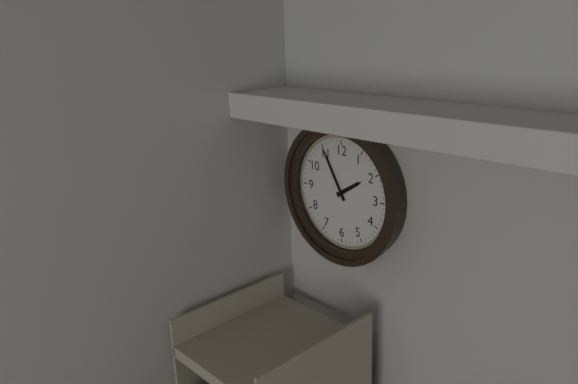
1:55
